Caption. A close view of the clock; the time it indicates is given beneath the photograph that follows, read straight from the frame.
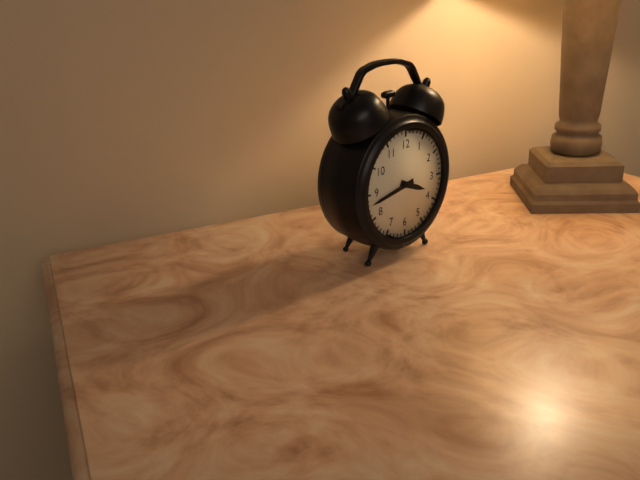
3:43
